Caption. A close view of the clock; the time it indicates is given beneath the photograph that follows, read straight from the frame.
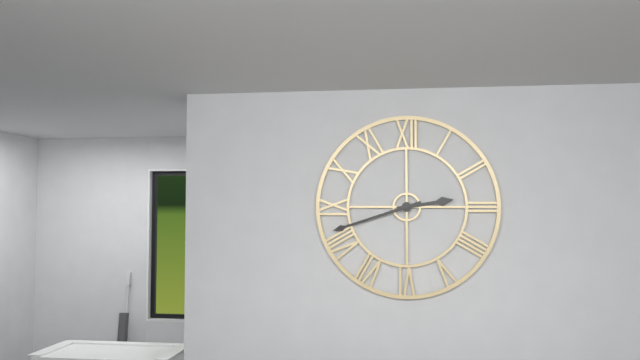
2:42
